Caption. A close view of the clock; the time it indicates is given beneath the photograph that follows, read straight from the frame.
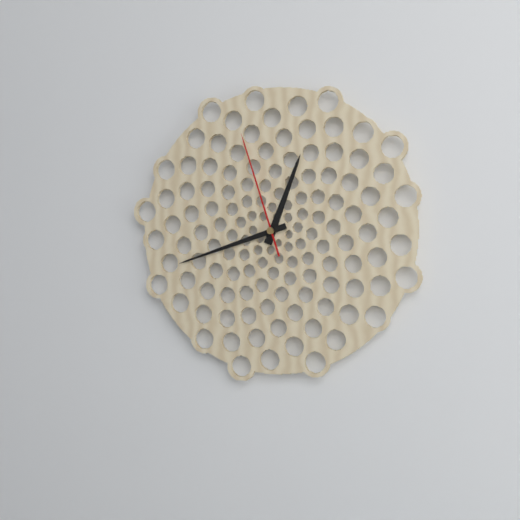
12:42:57
